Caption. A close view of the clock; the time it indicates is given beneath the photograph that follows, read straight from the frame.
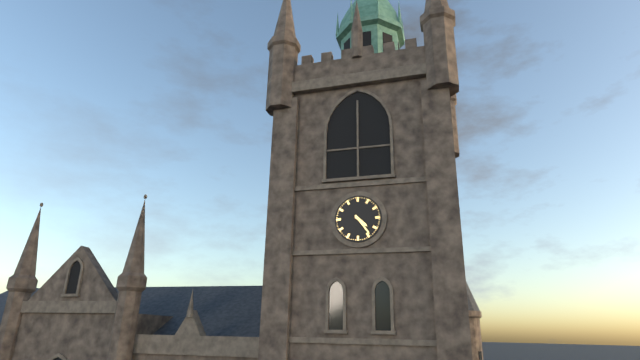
4:24
